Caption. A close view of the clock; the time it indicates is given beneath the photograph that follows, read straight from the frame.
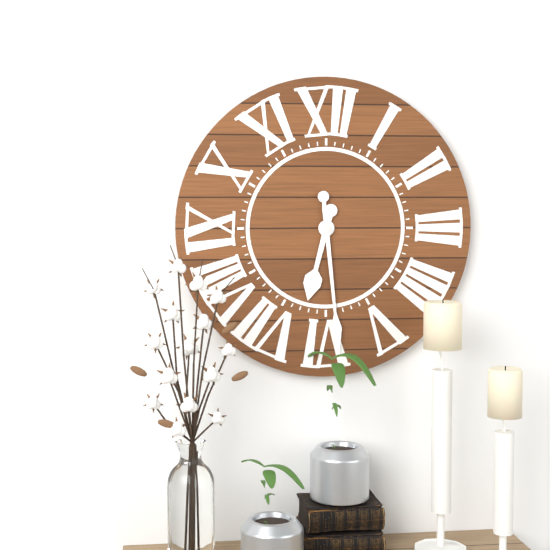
6:29
